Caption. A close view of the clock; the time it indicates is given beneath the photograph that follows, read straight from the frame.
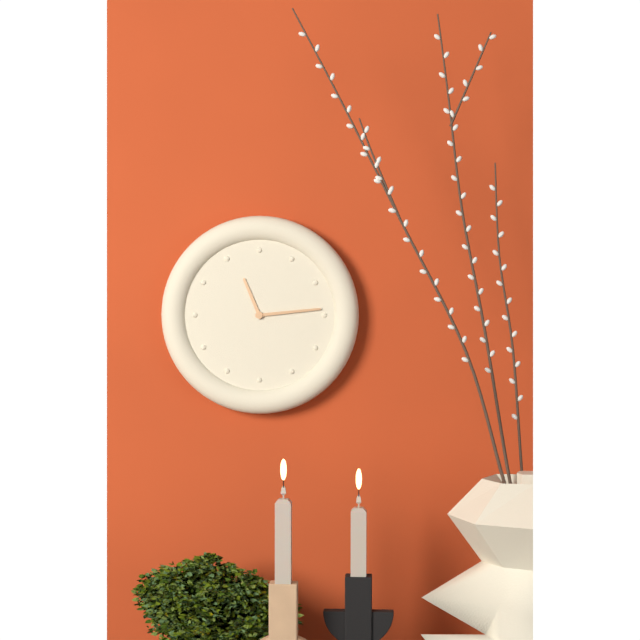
11:14
